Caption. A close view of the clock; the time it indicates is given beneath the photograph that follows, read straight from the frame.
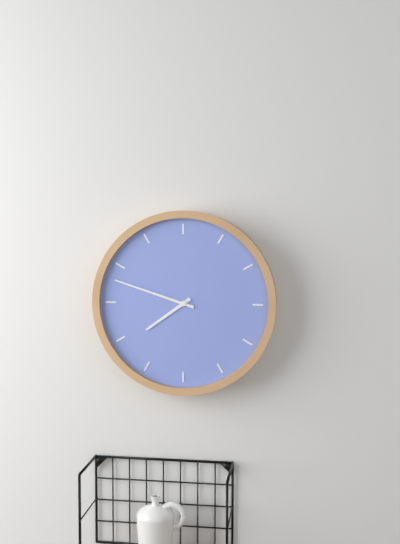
7:48
